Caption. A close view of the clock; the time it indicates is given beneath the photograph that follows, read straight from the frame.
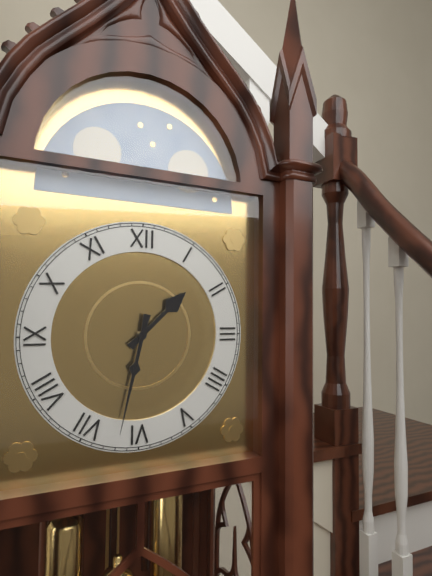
1:32
